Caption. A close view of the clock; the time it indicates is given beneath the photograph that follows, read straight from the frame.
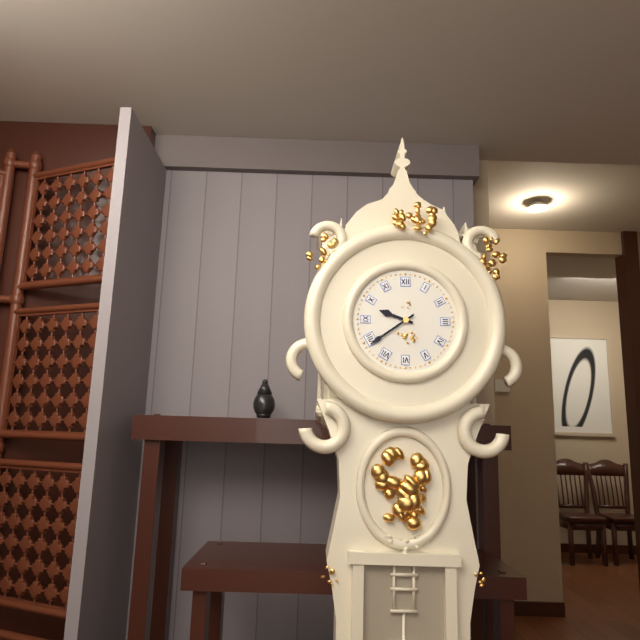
9:39
